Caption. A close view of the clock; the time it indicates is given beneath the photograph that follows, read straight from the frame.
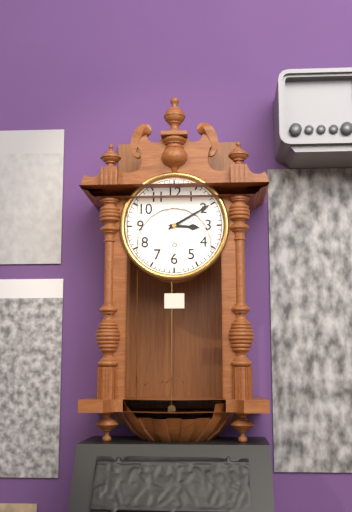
3:10
